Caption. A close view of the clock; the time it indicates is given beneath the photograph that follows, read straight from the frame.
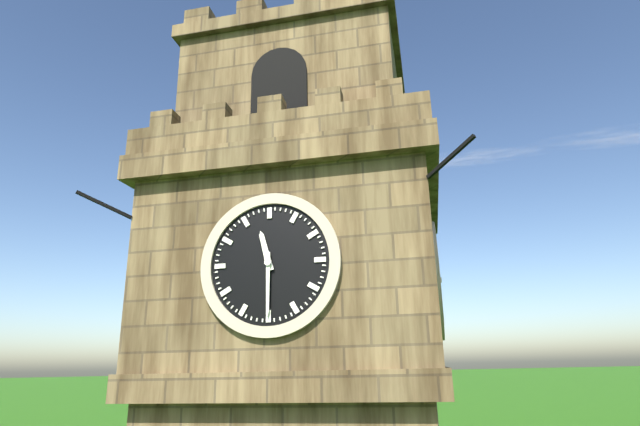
11:30
